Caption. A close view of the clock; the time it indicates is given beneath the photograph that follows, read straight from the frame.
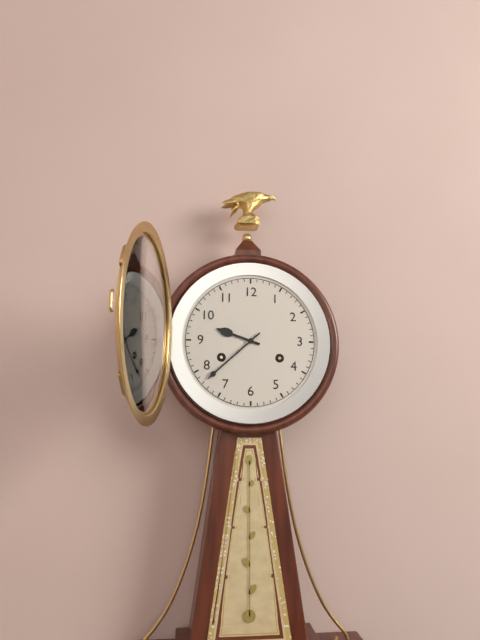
9:38
